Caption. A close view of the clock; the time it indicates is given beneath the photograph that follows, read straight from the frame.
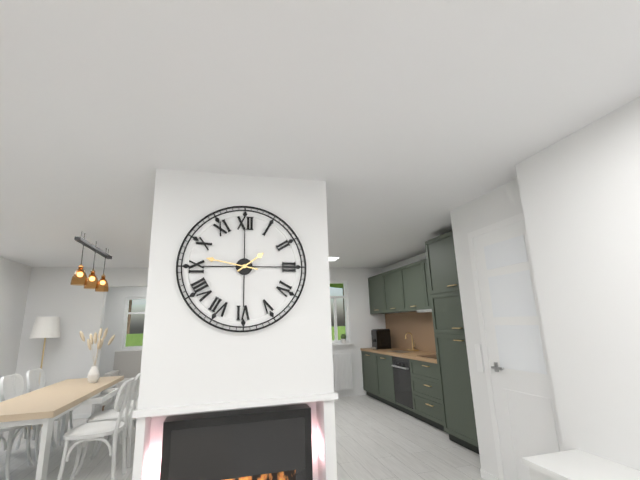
1:47
